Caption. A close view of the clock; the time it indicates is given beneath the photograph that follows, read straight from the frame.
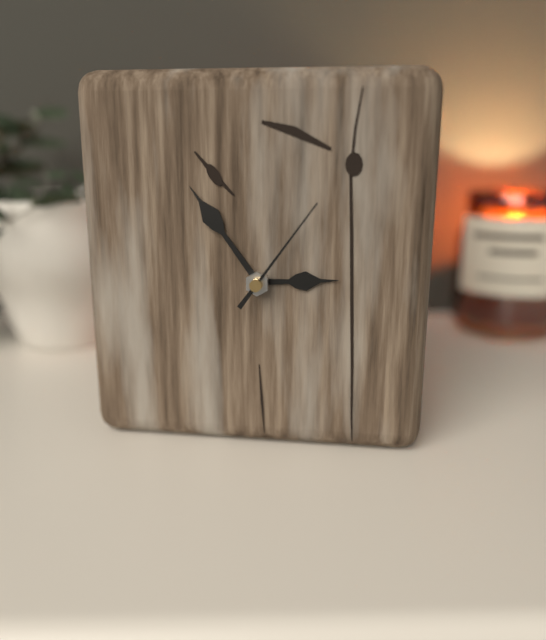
2:54:06
